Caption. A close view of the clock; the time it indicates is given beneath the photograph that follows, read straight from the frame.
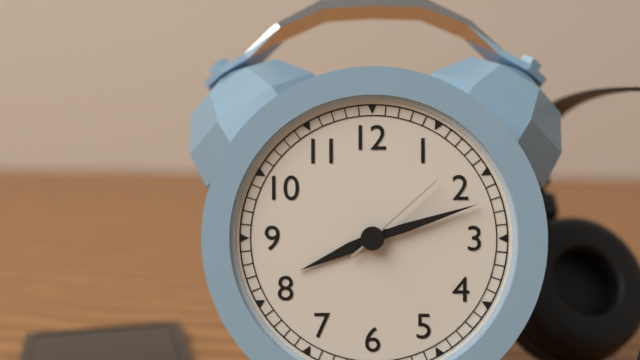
8:12:08
